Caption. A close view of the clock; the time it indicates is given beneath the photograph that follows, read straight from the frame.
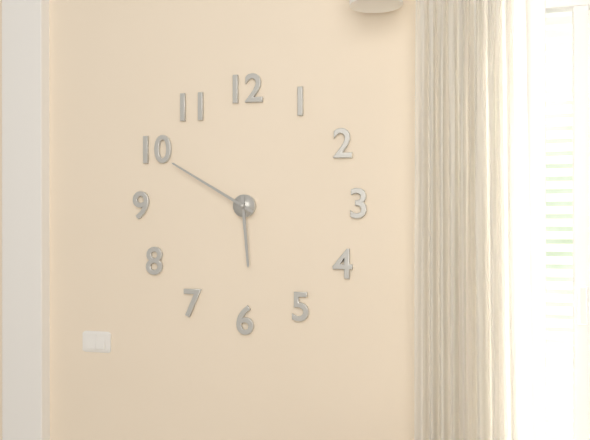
5:50
